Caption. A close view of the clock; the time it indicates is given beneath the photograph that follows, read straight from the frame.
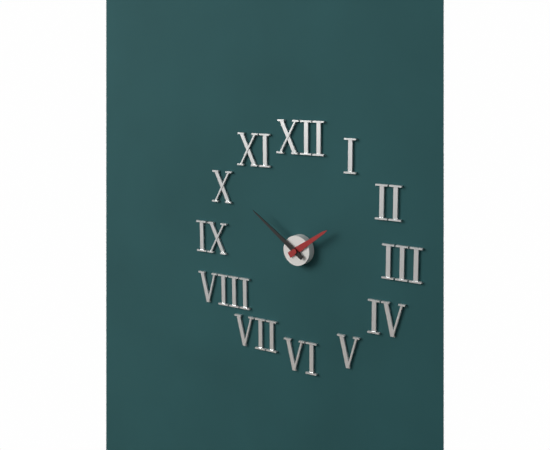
1:51
